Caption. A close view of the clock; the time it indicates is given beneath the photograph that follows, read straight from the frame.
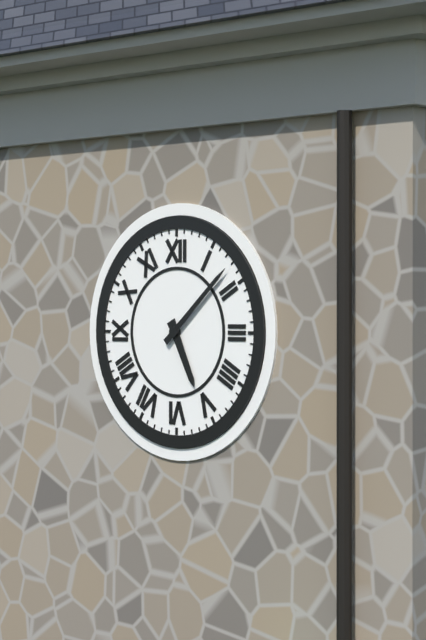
5:08
